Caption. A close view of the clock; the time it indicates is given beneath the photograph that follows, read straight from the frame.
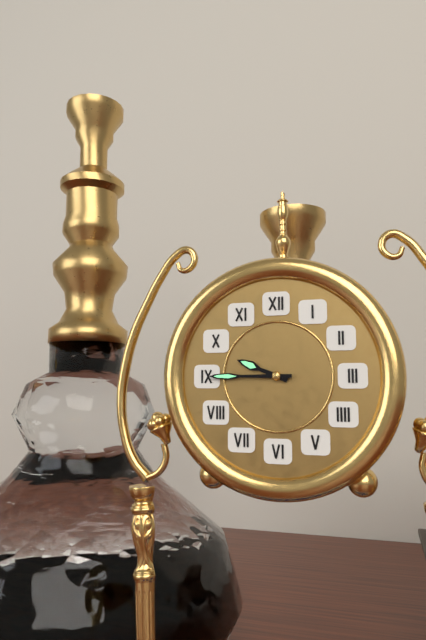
9:45
